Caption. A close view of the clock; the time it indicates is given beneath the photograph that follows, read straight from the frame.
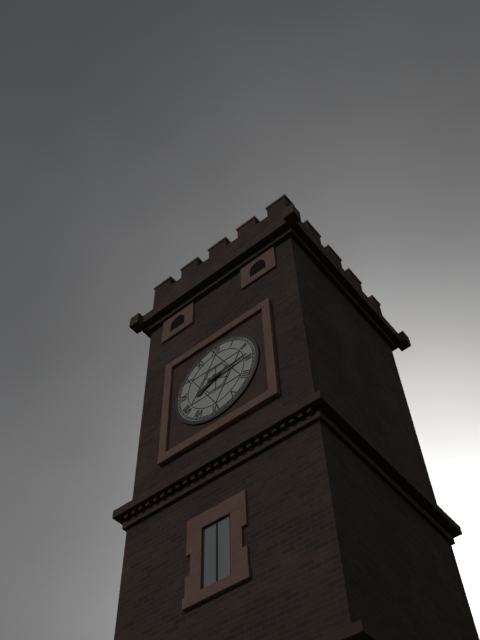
8:14
